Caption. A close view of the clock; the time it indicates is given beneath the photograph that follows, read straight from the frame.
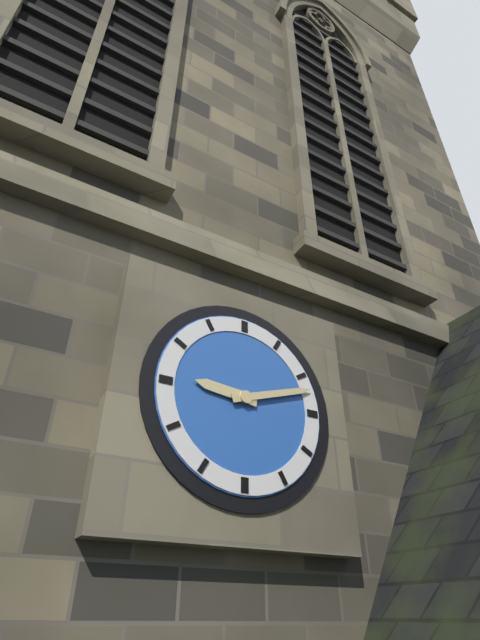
9:12
